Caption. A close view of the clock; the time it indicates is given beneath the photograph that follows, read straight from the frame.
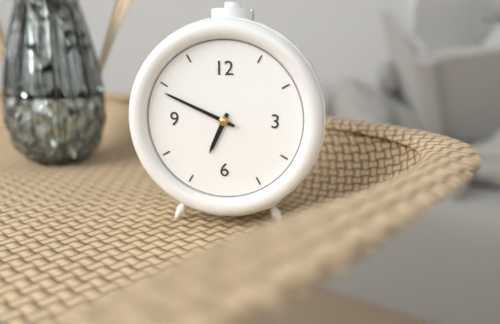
6:49
